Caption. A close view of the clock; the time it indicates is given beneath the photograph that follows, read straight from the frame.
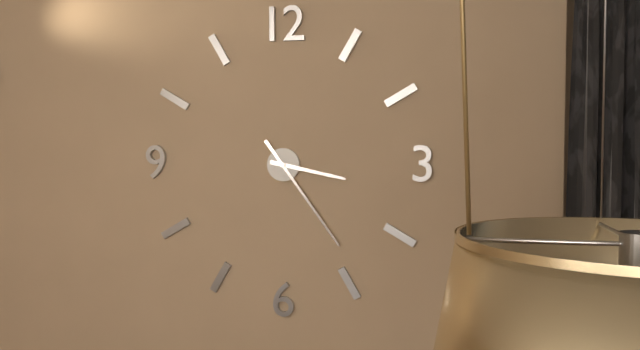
3:24
